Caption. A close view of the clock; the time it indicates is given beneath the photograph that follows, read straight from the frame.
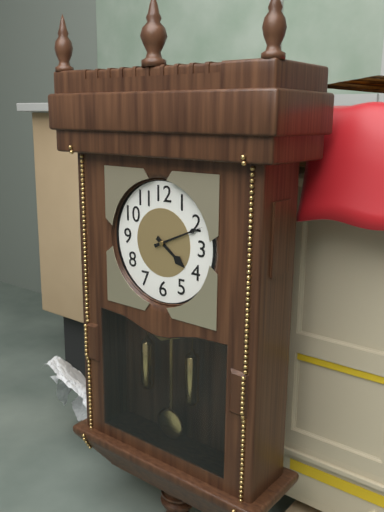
4:11
